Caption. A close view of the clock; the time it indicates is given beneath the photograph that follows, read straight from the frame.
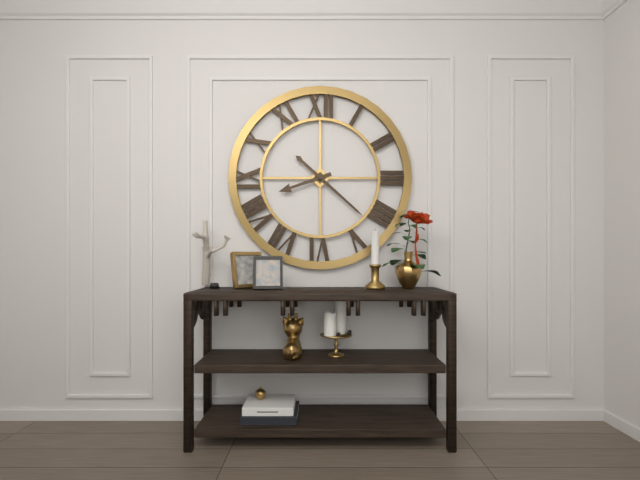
8:22
